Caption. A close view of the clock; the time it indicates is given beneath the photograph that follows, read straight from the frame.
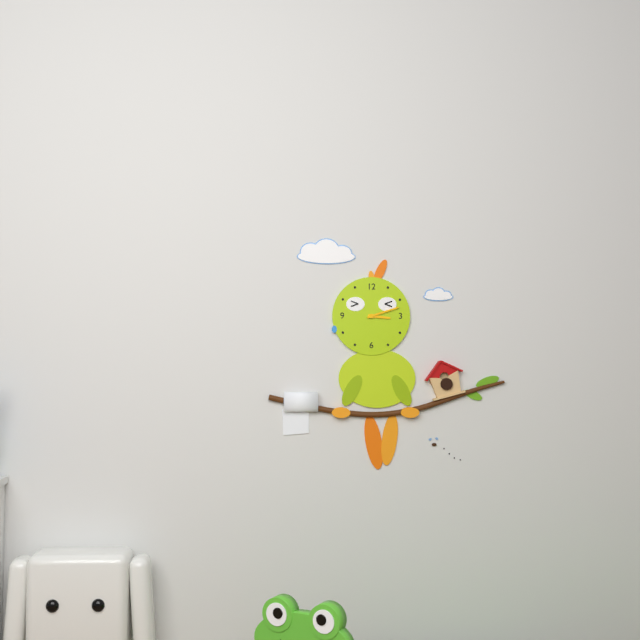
3:12
